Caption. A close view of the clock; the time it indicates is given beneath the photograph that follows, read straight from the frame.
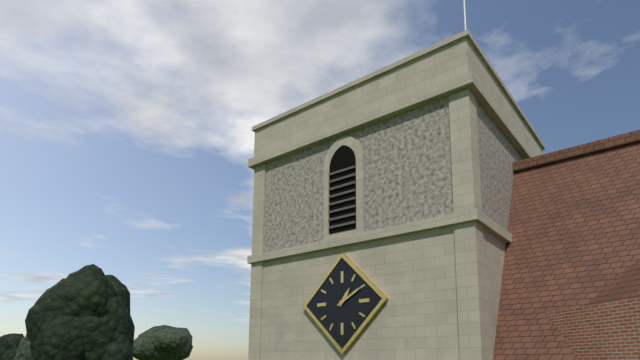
1:10
